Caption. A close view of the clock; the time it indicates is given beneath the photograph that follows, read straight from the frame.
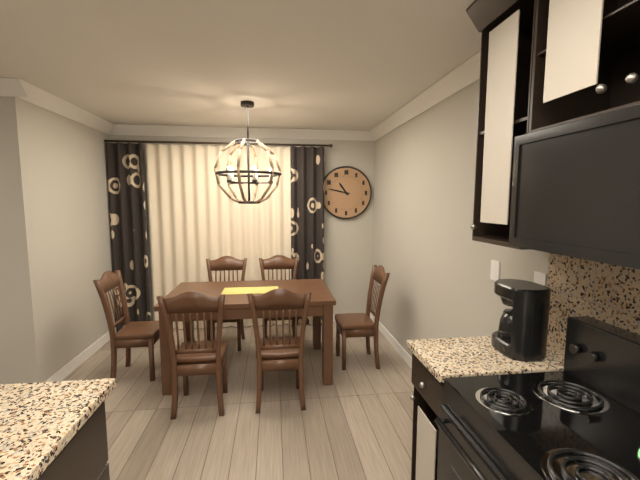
10:47
